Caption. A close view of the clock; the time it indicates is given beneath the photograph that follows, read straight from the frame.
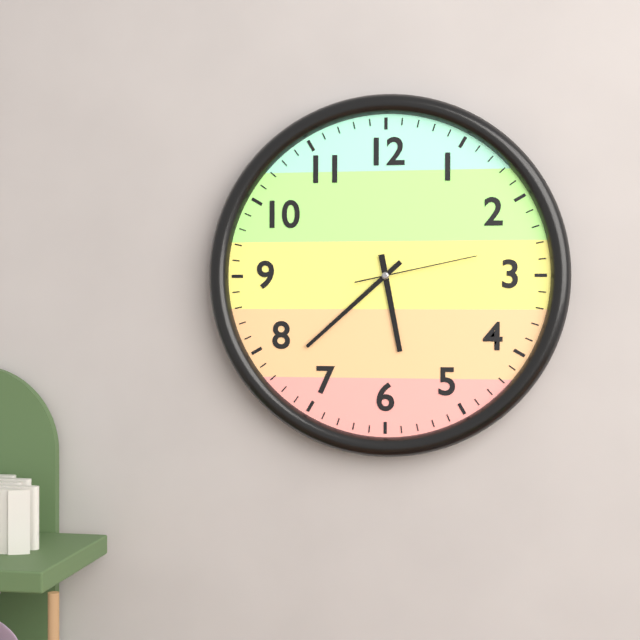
5:38:13
